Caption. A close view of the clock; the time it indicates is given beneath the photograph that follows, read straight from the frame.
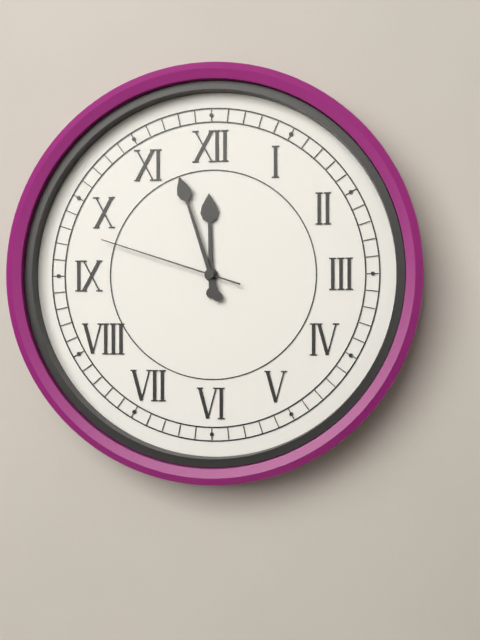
11:57:48
